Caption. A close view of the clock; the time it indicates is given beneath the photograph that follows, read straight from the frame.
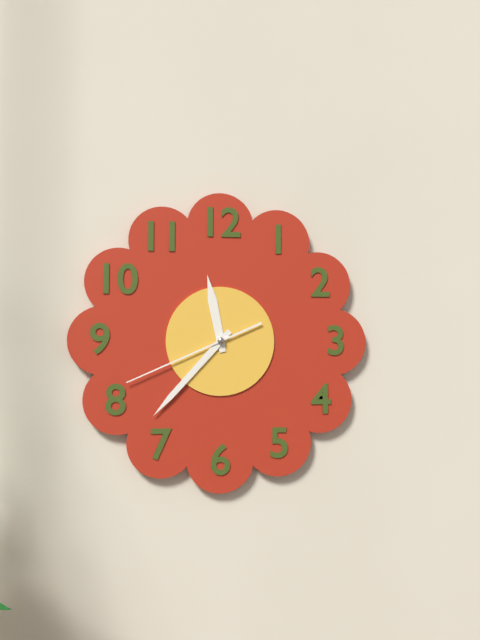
11:37:41
